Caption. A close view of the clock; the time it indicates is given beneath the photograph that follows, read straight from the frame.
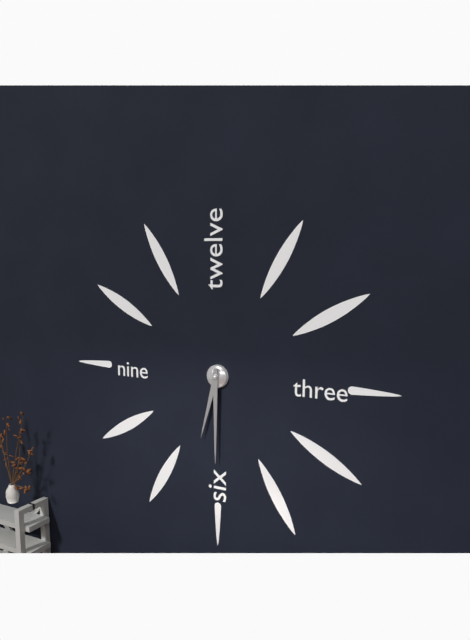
6:30
